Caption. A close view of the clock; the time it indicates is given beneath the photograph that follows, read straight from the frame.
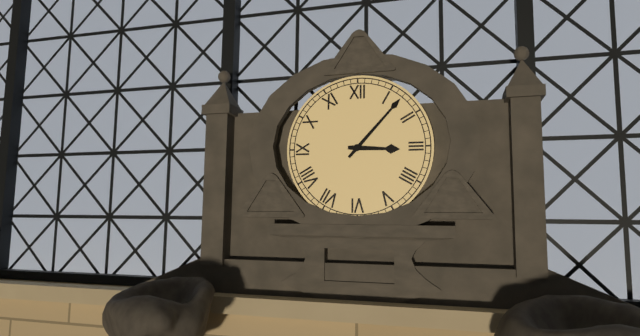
3:07
